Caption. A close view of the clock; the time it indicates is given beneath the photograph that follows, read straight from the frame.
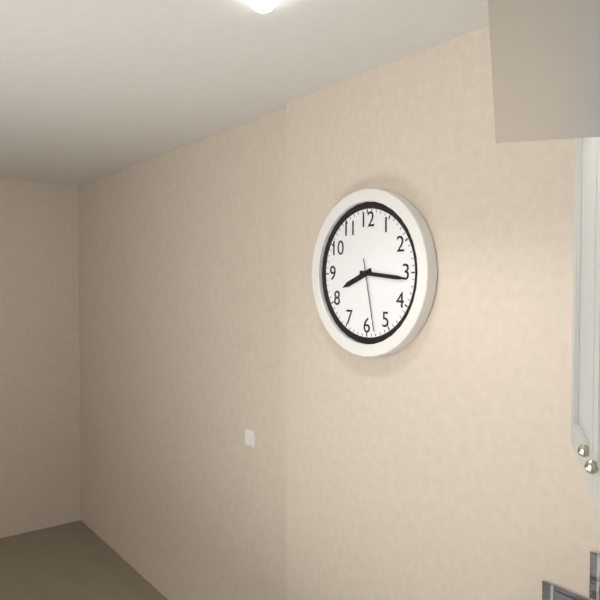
8:16:28
